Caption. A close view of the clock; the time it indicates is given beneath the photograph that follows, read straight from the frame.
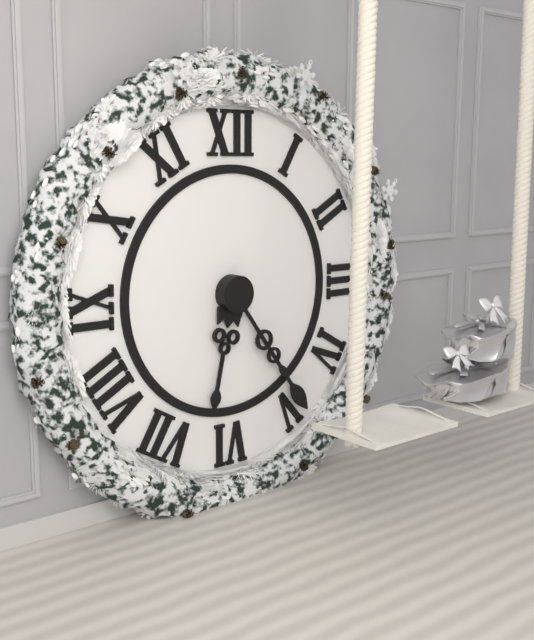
6:24
